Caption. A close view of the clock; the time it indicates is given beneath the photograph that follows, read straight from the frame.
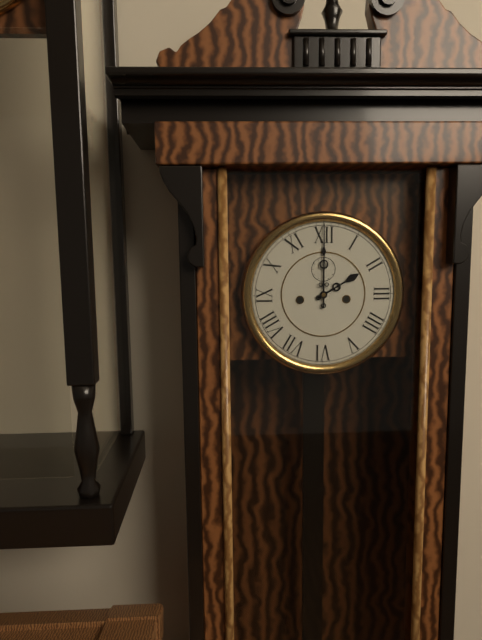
2:00
